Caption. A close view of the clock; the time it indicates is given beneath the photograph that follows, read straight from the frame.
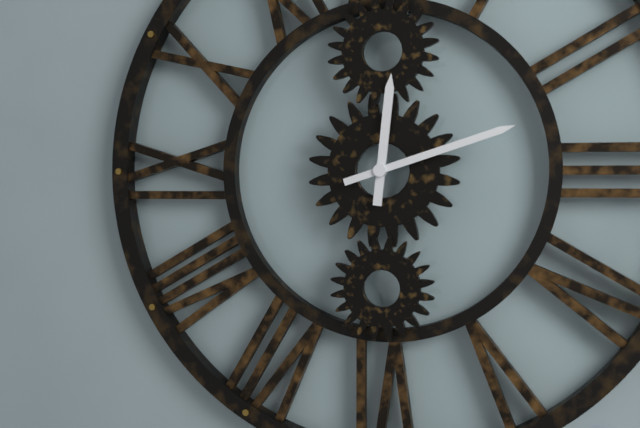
12:12
